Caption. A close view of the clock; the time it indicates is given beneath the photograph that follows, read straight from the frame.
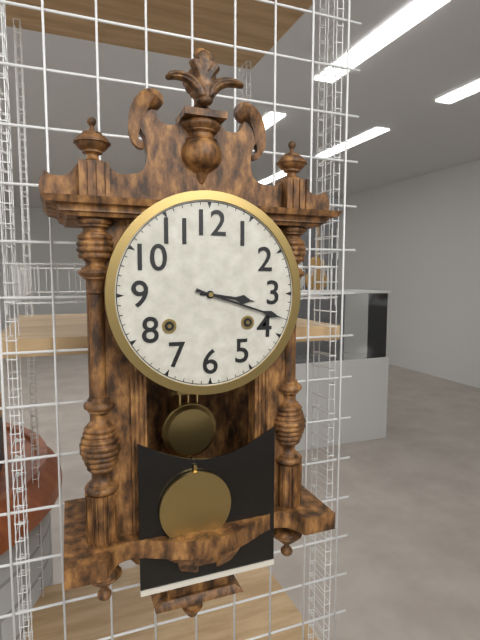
3:18
